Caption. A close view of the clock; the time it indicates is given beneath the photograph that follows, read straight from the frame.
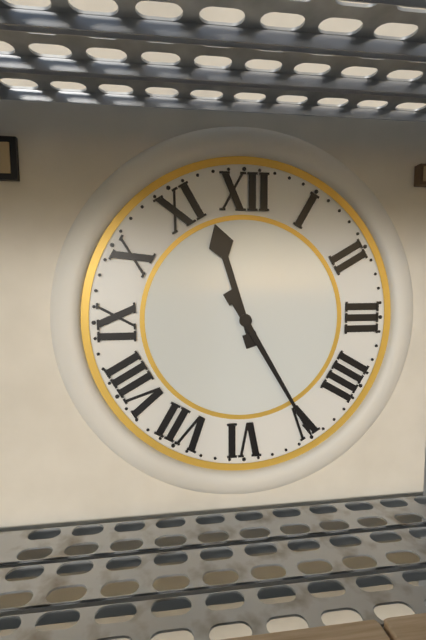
11:25
